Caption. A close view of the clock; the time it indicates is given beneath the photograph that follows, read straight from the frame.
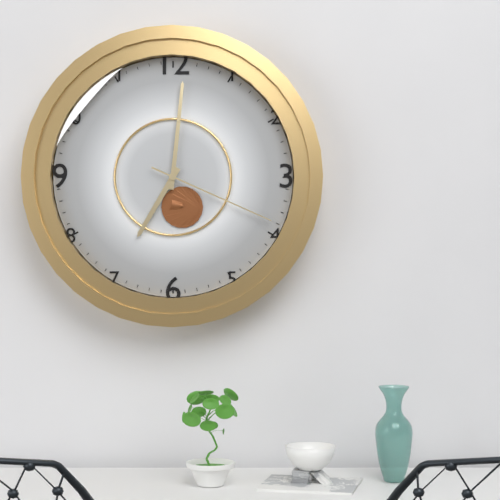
7:01:19
